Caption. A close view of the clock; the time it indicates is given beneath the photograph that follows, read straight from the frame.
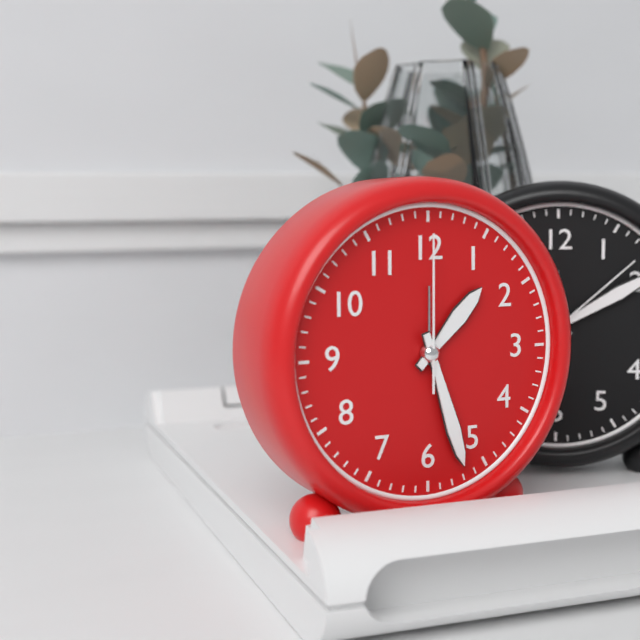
1:27:00
